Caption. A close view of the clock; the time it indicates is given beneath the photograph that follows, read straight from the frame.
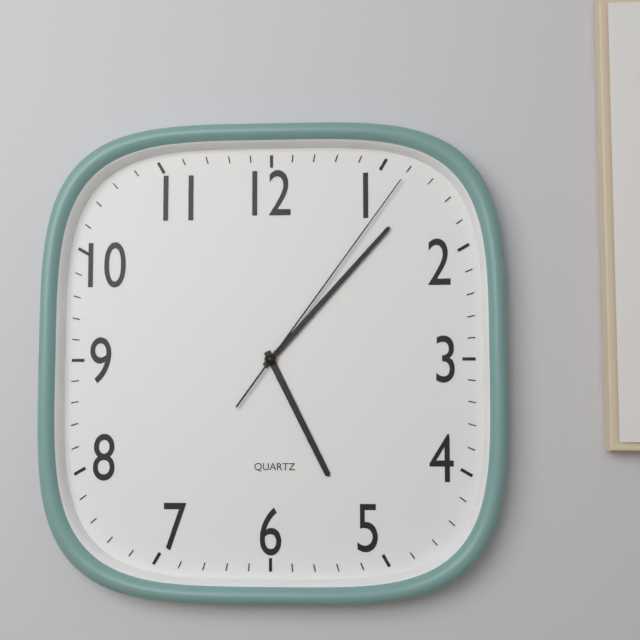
5:07:06
